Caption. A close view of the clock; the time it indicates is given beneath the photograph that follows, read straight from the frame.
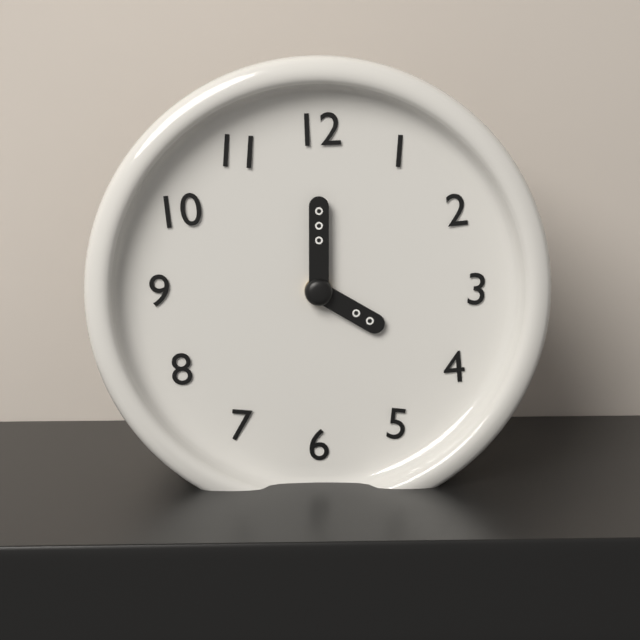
4:00
